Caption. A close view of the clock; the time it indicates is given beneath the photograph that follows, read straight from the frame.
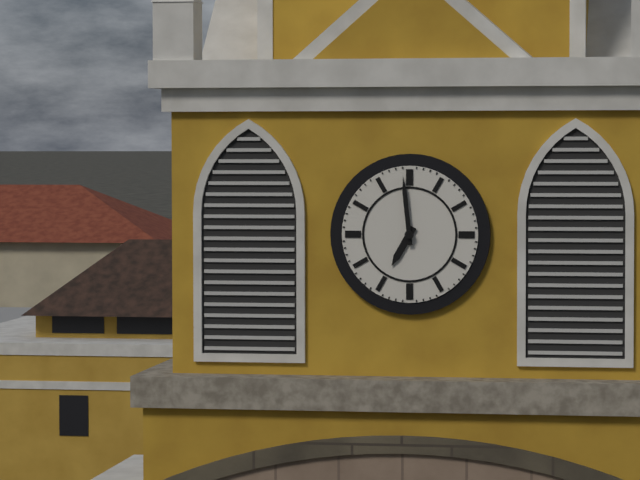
6:59
